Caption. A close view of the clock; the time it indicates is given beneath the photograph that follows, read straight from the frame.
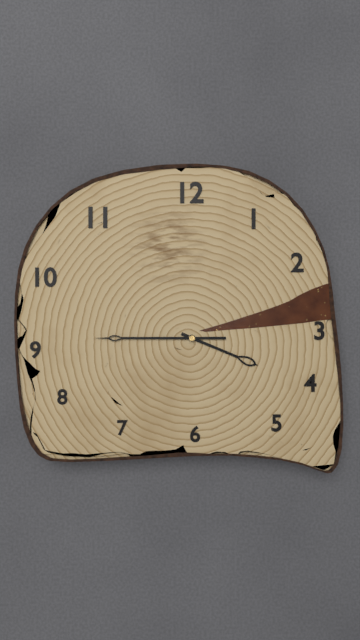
3:45
